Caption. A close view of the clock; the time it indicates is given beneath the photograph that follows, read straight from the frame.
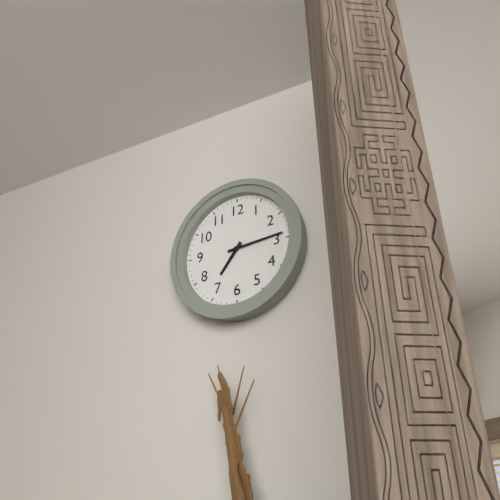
7:14
